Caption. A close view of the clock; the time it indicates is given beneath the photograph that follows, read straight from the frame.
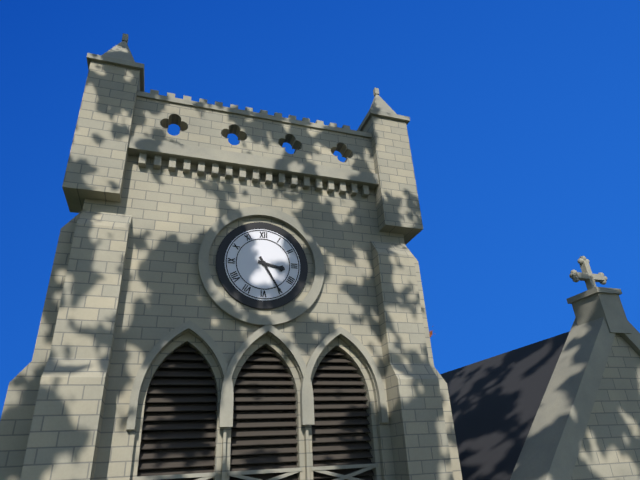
3:25
